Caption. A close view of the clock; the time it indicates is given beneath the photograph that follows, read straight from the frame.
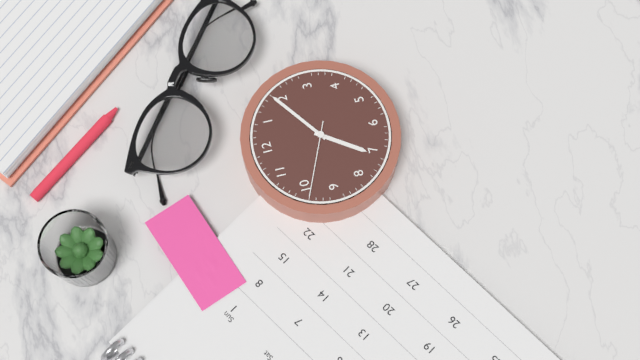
7:09:49
